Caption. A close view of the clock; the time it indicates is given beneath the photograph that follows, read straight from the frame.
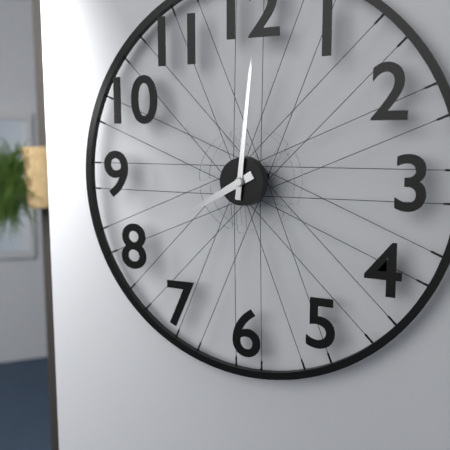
8:01
